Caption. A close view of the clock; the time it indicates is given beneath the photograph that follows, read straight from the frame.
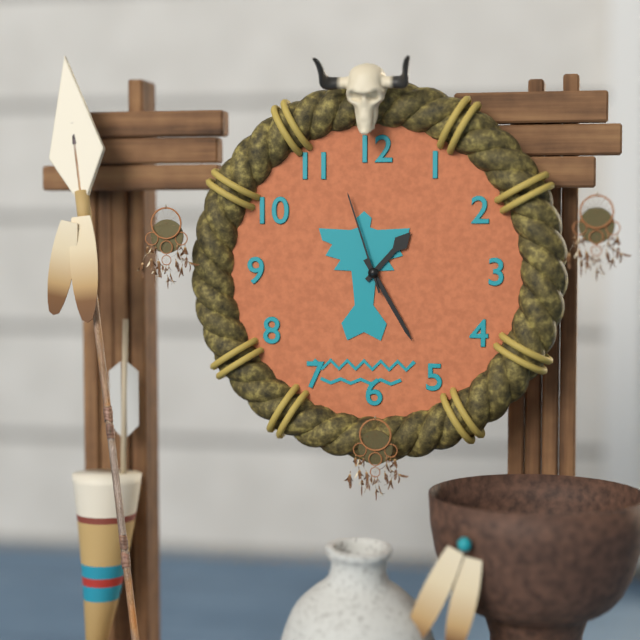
1:25:57
